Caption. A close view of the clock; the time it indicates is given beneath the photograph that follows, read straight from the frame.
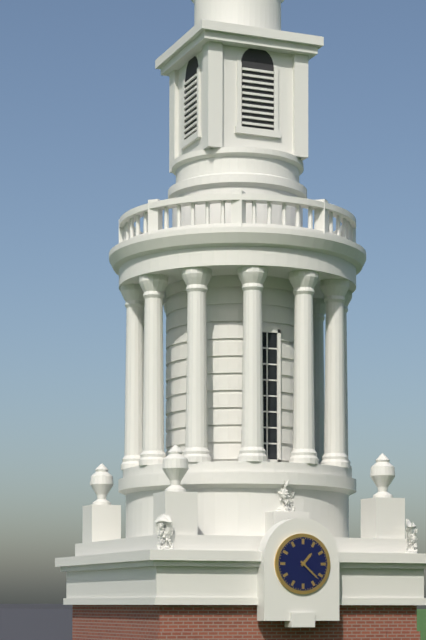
1:22
